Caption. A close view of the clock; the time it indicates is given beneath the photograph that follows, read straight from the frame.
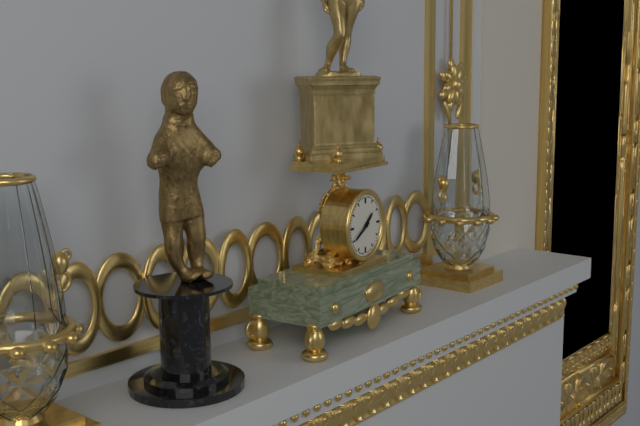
1:40
